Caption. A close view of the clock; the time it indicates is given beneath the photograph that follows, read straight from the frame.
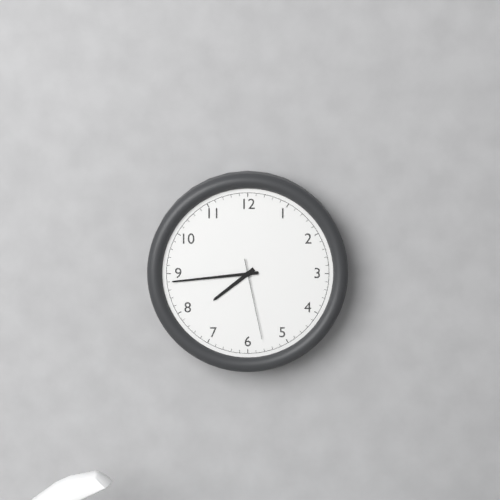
7:44:28
